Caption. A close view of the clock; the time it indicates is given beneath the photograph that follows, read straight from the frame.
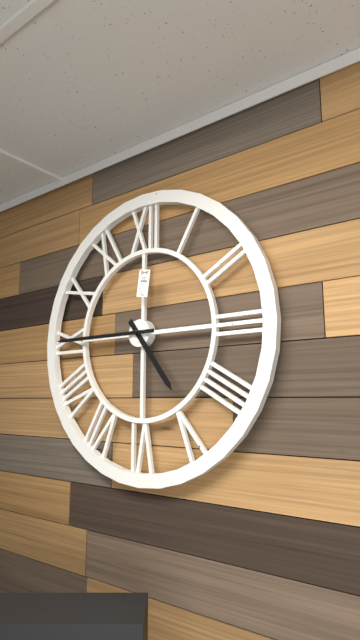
4:45
